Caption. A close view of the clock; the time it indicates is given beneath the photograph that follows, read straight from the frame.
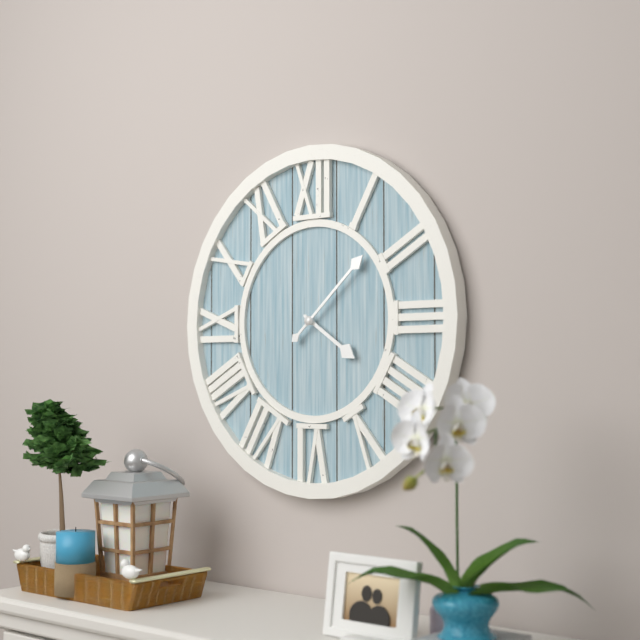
4:08
